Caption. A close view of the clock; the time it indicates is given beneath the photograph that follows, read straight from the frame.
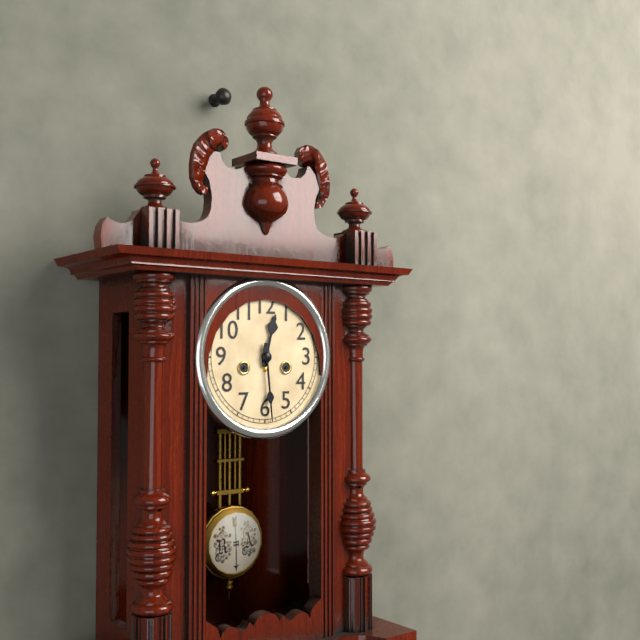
12:29
